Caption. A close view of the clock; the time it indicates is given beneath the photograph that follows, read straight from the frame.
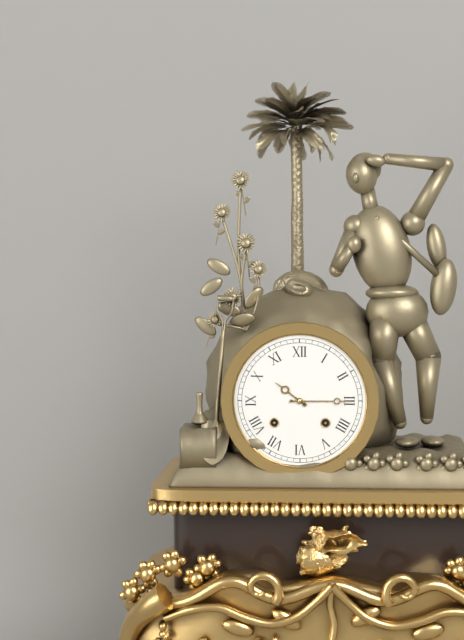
10:15
